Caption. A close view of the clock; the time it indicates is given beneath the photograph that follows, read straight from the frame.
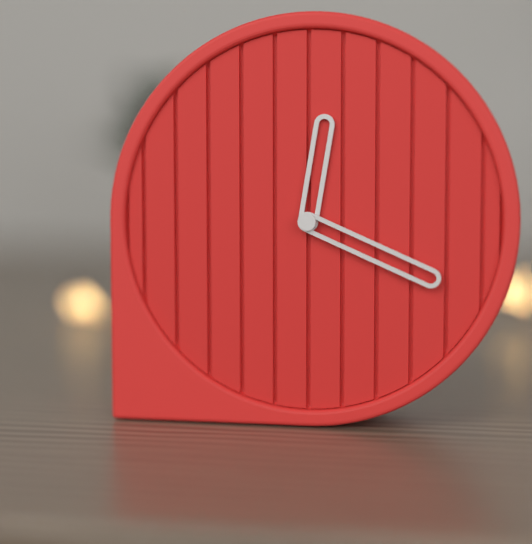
12:19
